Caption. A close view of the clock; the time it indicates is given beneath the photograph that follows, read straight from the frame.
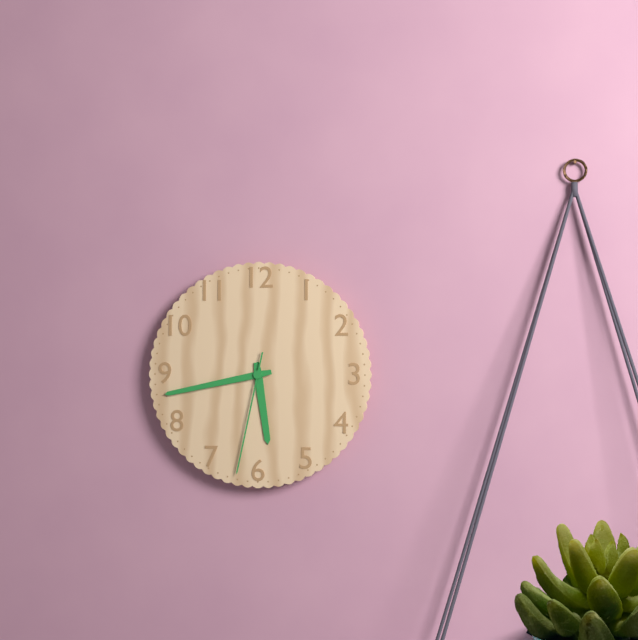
5:43:32
